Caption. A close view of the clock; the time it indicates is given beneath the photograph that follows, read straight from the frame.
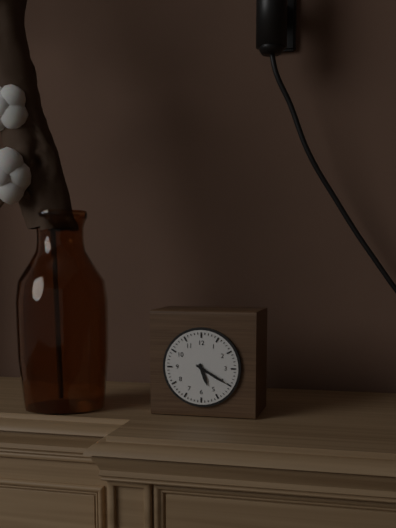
5:20
